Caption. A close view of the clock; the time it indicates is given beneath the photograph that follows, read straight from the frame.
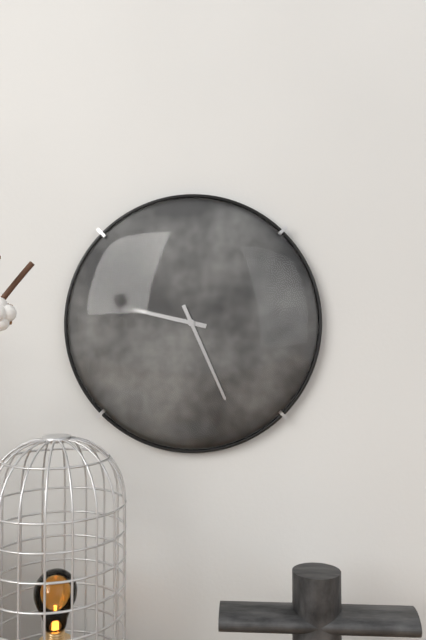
9:26
